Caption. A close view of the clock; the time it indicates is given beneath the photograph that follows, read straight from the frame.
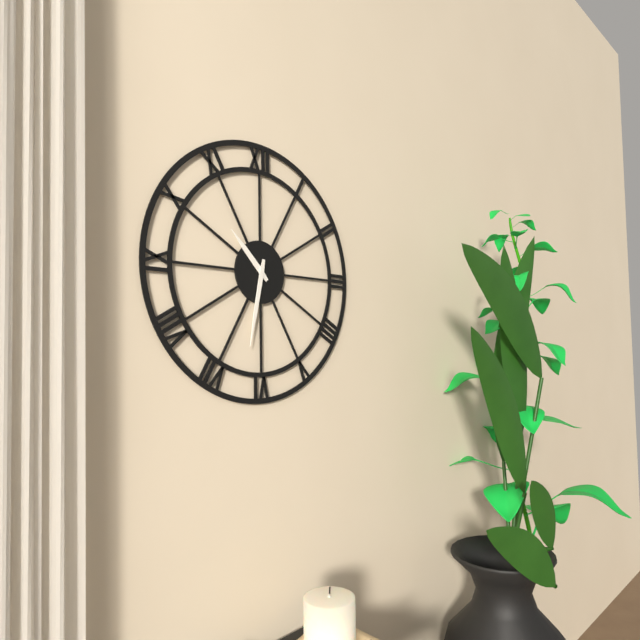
10:32
